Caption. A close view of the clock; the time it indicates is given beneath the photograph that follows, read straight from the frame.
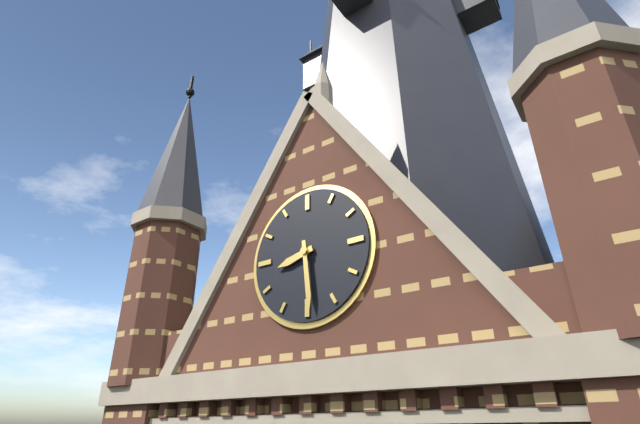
8:29
